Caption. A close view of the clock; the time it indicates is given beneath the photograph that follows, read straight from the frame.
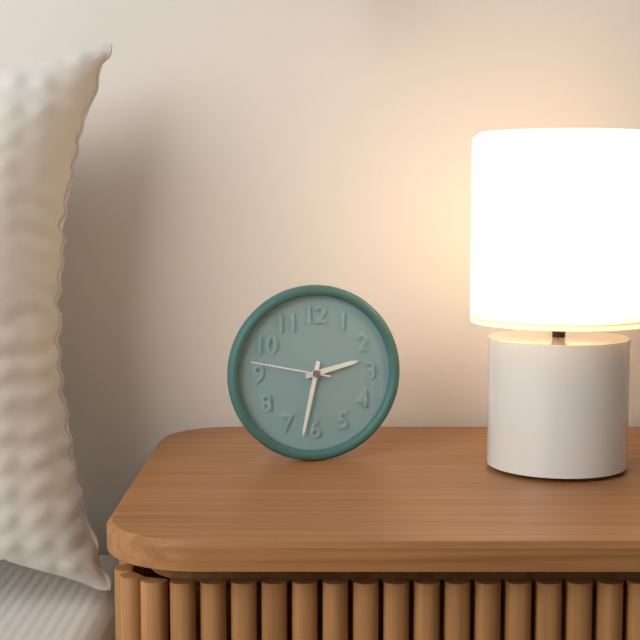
2:32:47
